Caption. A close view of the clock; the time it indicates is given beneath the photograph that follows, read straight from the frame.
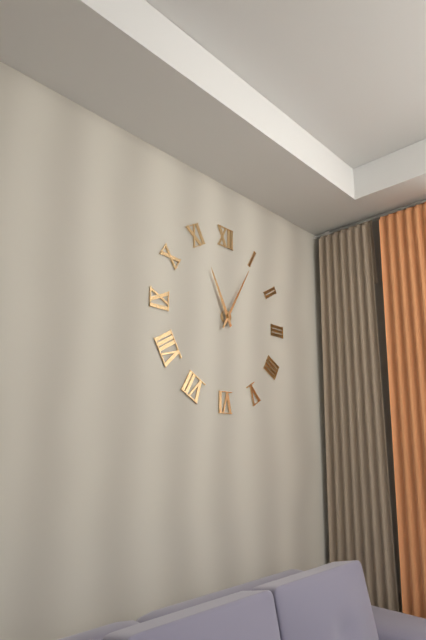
11:05
